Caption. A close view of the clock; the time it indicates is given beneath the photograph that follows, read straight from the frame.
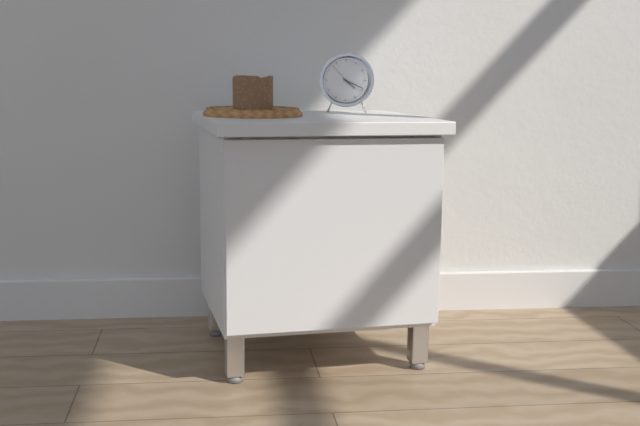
4:19
